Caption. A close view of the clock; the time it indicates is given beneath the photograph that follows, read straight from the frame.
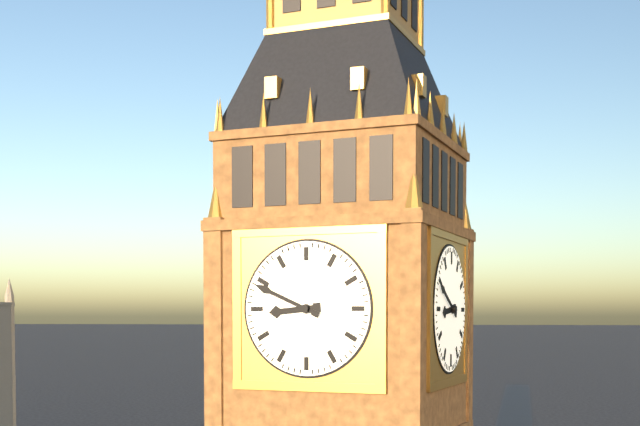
8:49
